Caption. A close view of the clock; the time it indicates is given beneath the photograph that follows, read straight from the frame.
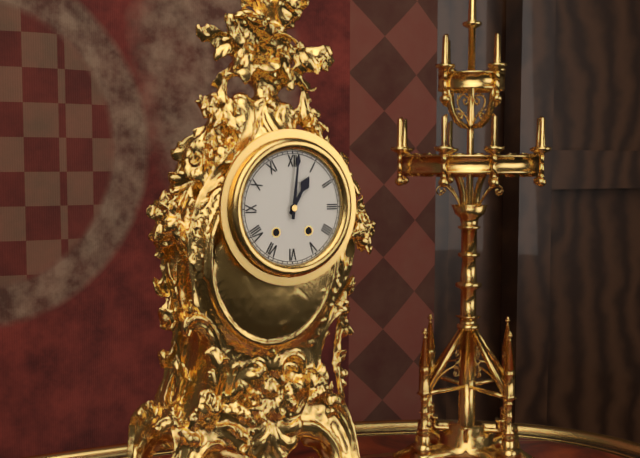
1:01
